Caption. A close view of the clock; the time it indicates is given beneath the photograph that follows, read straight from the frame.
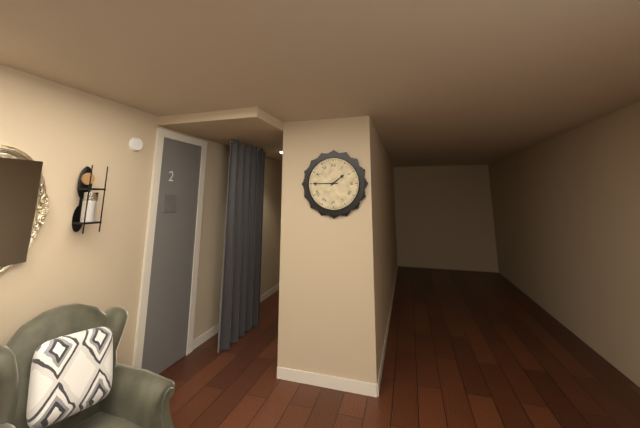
1:45
